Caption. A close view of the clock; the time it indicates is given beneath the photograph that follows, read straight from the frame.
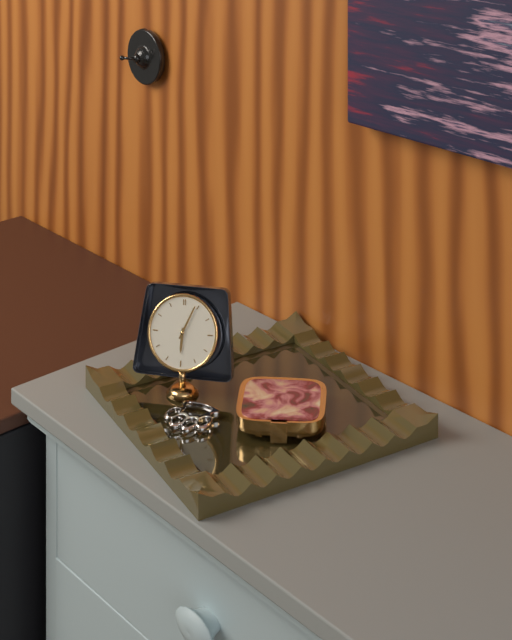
6:04
